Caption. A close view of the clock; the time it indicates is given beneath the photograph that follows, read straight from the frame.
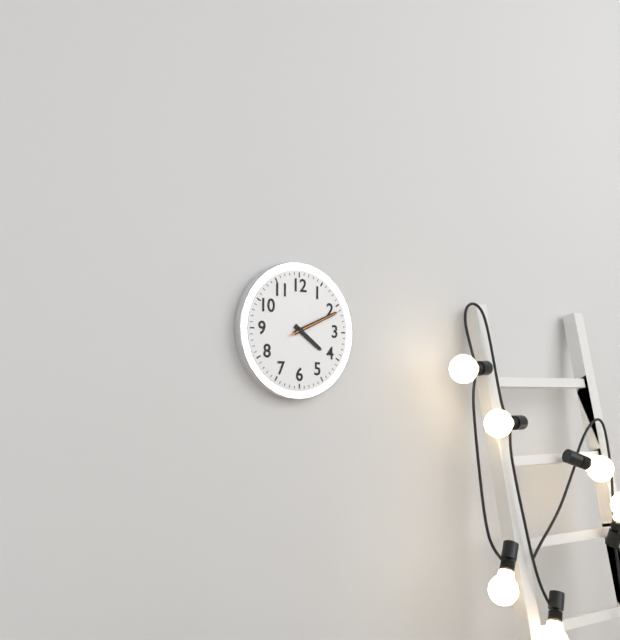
4:11:11
